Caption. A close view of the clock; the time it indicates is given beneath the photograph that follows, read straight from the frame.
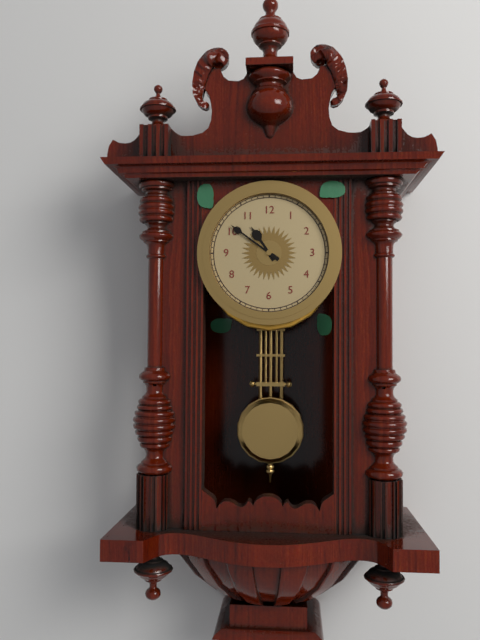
10:51
